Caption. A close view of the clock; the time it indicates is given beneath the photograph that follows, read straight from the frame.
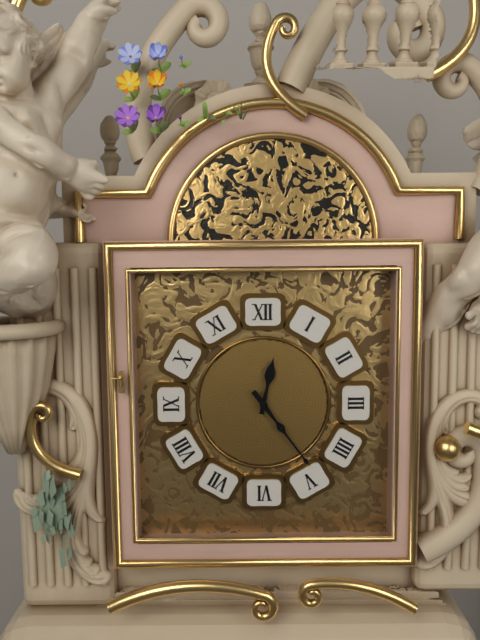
12:24
